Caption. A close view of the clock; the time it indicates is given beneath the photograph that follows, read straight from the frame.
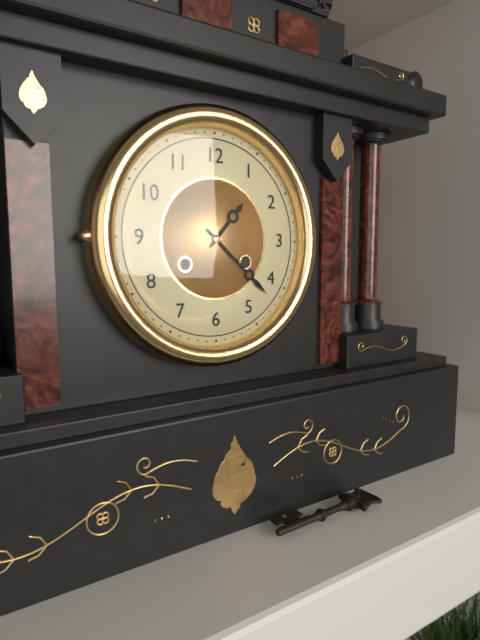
1:22
